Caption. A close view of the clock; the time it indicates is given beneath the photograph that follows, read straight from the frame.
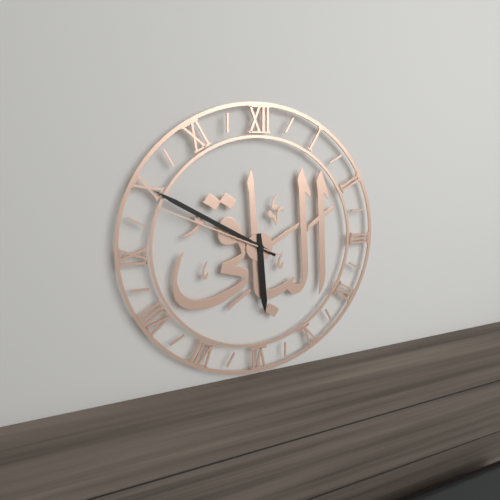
5:50:49
